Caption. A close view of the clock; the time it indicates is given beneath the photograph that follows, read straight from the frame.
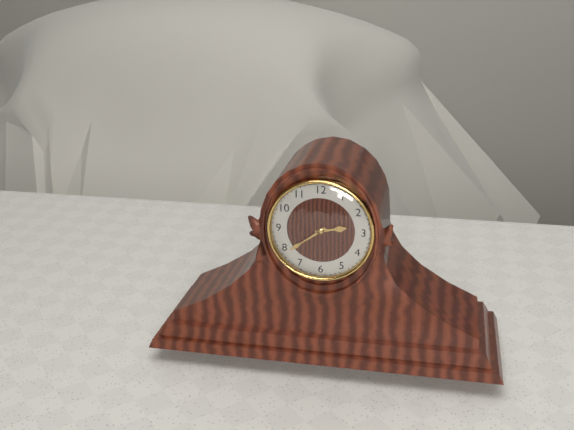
2:39
